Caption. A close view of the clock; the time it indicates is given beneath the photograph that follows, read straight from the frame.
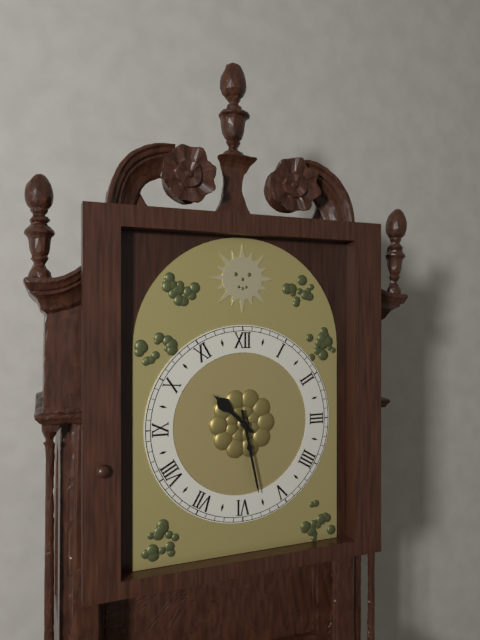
10:28
